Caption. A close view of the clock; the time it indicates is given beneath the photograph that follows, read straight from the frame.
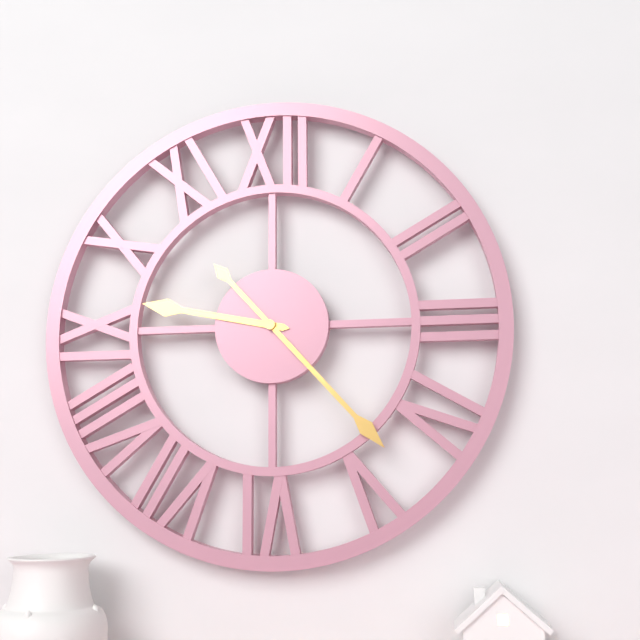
9:23
